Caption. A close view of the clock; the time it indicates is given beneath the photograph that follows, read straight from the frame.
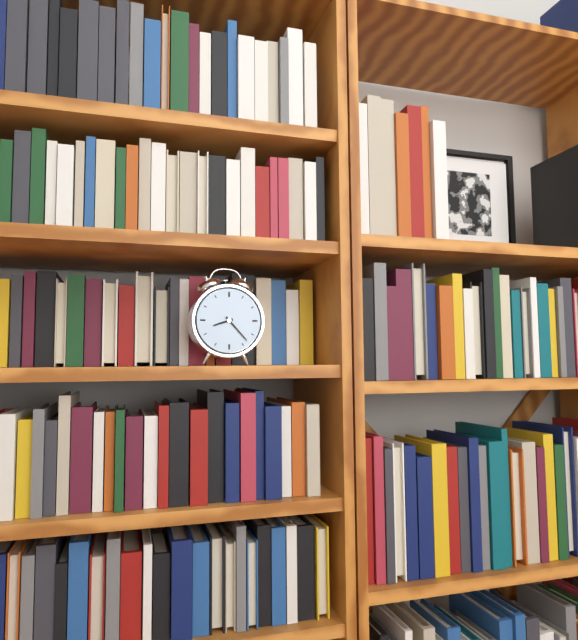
8:23
